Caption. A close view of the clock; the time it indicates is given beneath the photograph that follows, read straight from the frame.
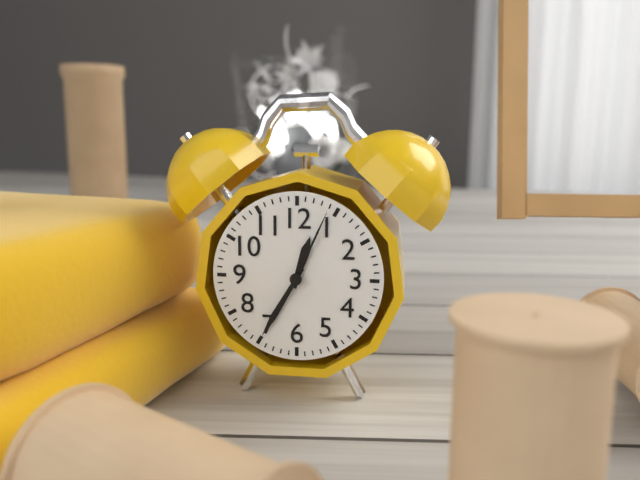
12:35:04
